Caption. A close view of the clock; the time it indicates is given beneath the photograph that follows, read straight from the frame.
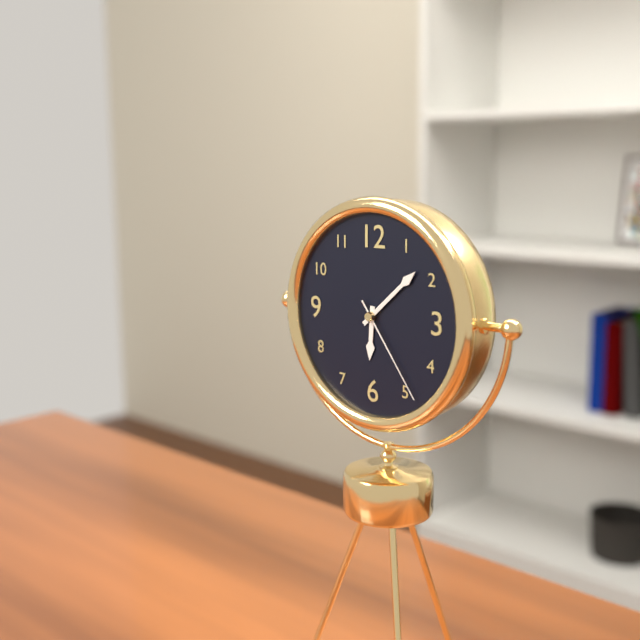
6:08:24
